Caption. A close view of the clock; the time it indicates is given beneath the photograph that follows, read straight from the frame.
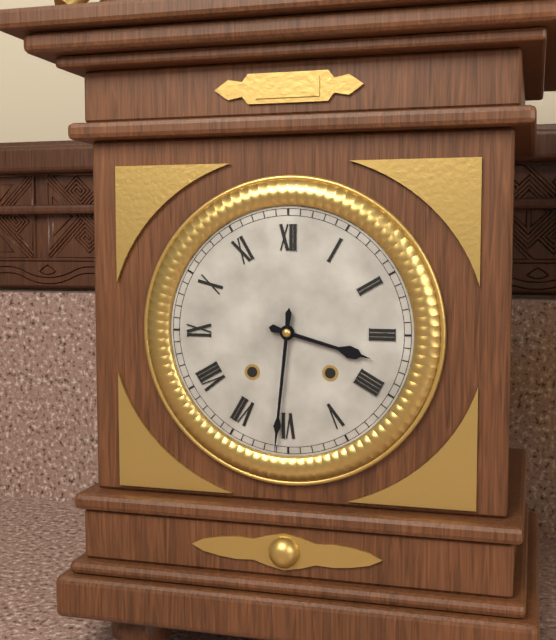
3:31
